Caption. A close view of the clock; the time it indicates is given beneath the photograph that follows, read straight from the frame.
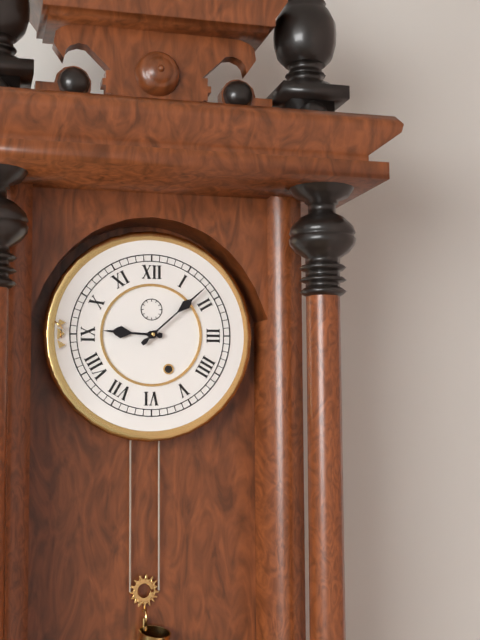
9:08
